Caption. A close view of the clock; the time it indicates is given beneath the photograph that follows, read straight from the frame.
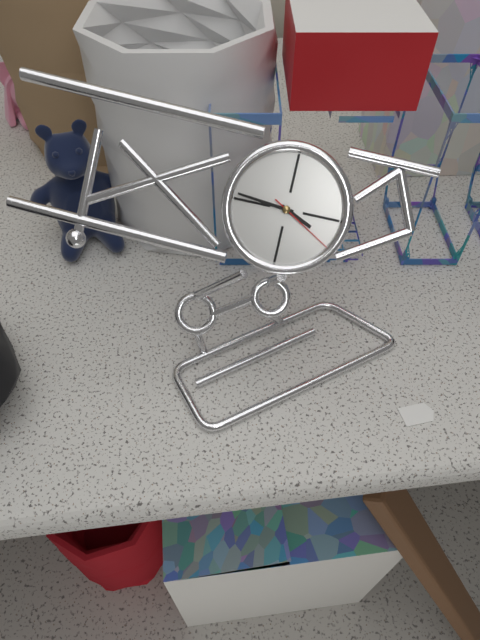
3:46:20
